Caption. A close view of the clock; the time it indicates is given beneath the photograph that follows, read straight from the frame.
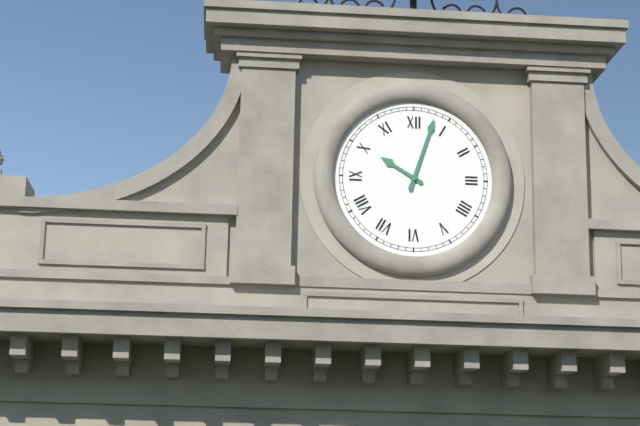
10:03
